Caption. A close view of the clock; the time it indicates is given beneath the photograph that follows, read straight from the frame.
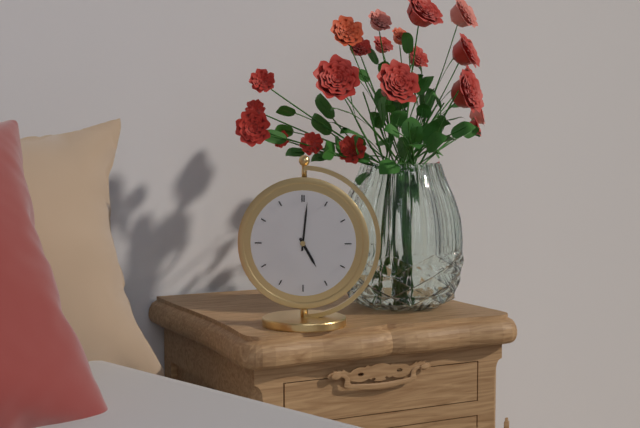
5:01
